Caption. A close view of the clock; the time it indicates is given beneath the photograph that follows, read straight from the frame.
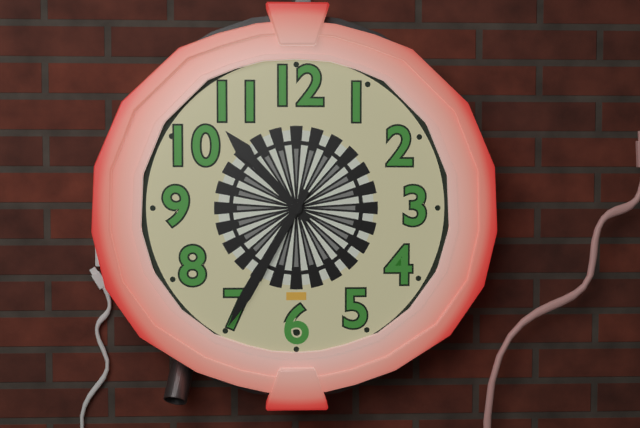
10:35
